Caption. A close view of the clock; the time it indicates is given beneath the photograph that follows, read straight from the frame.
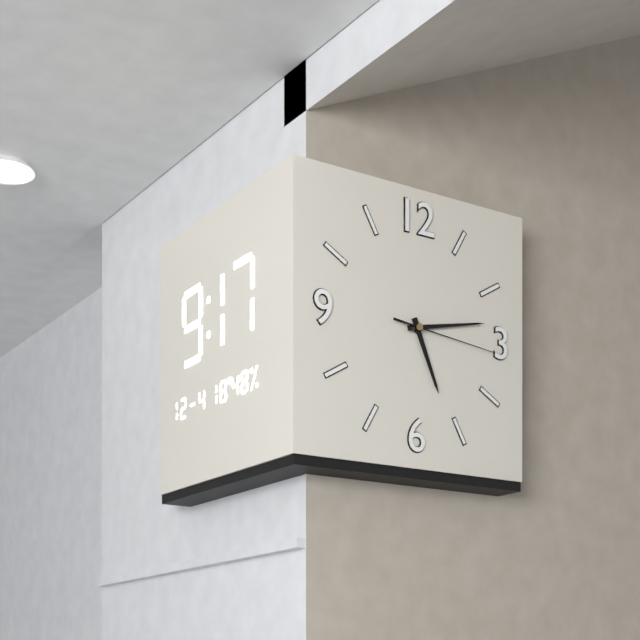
5:13:16
